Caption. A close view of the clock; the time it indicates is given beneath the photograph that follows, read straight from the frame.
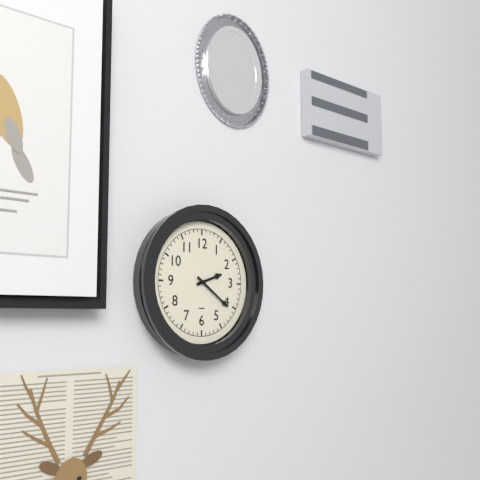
2:21
